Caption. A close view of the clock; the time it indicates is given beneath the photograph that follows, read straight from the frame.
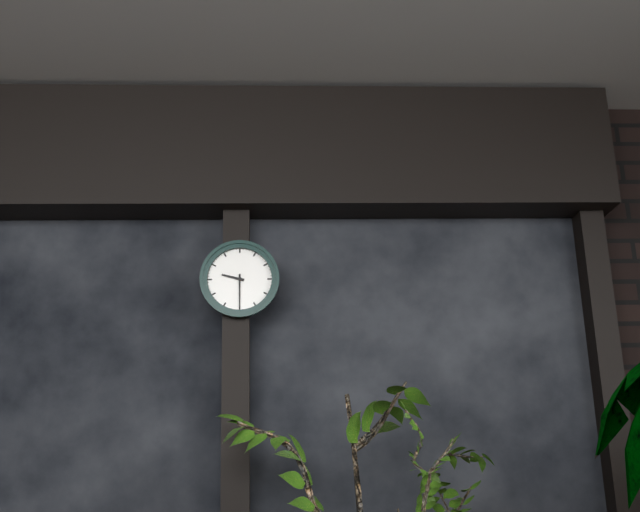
9:30
